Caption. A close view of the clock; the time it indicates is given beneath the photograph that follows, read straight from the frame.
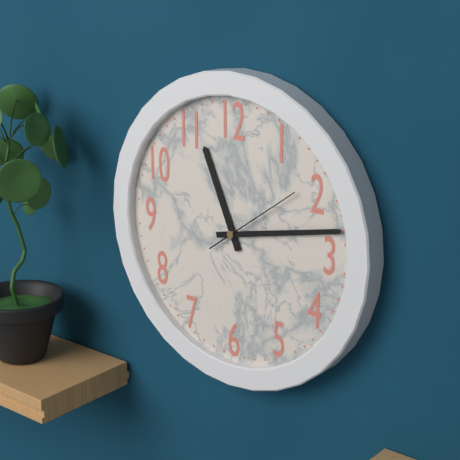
11:13:09
